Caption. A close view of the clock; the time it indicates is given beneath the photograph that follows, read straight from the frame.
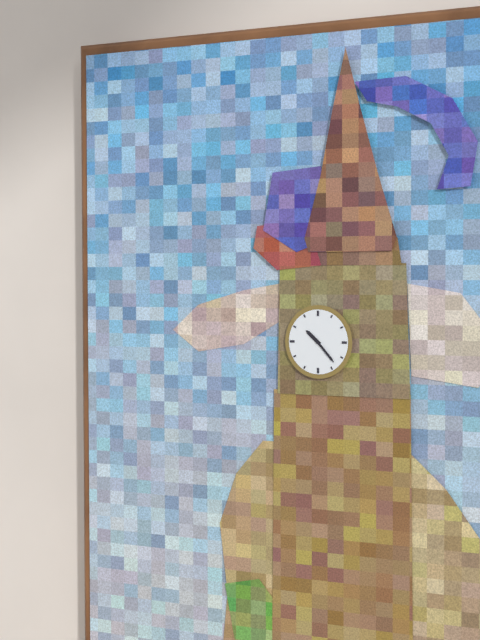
10:23
